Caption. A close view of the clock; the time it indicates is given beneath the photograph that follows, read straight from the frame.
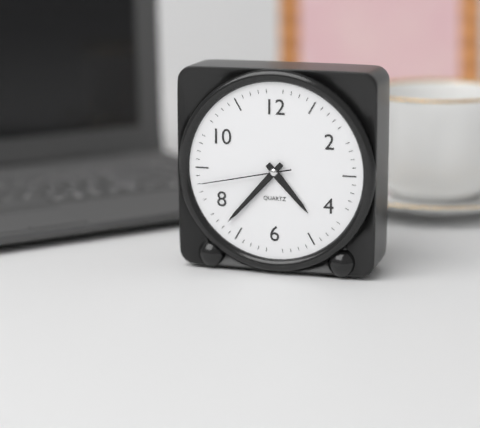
4:37:43
